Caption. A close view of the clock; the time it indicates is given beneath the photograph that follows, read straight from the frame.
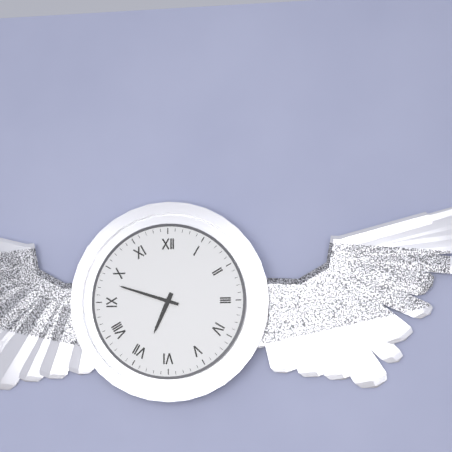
6:48
